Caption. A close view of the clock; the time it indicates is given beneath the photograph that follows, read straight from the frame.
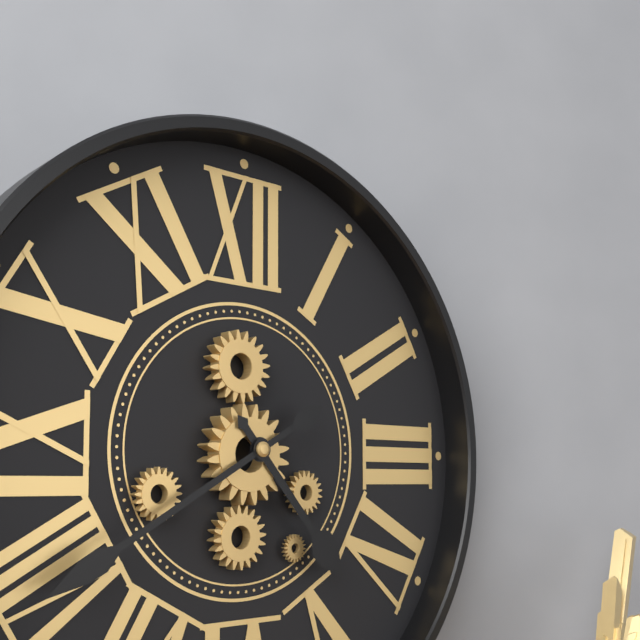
4:40
